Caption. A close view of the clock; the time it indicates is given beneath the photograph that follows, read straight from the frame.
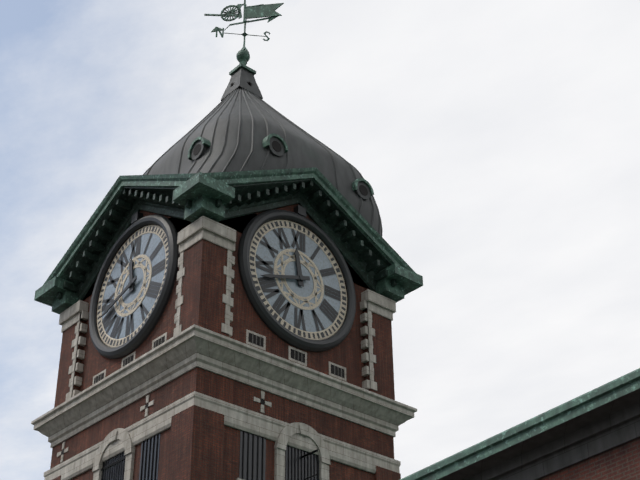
11:42
